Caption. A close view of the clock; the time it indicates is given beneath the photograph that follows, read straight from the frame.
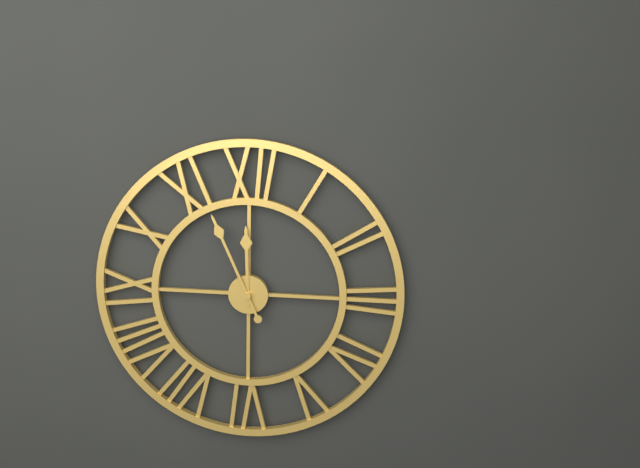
11:56
